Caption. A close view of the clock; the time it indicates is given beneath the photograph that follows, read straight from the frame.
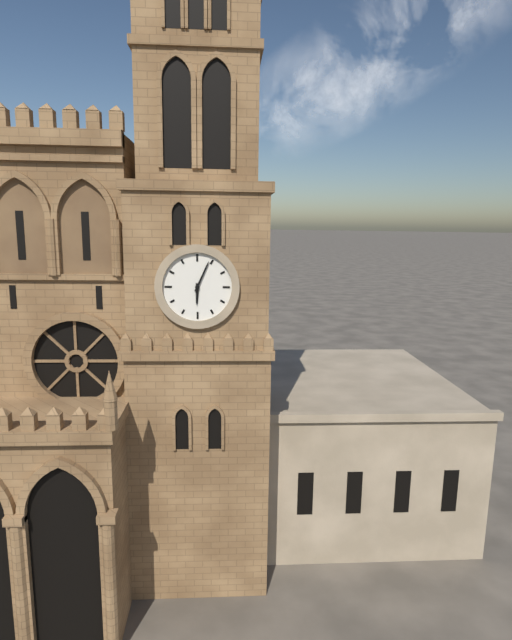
6:04
